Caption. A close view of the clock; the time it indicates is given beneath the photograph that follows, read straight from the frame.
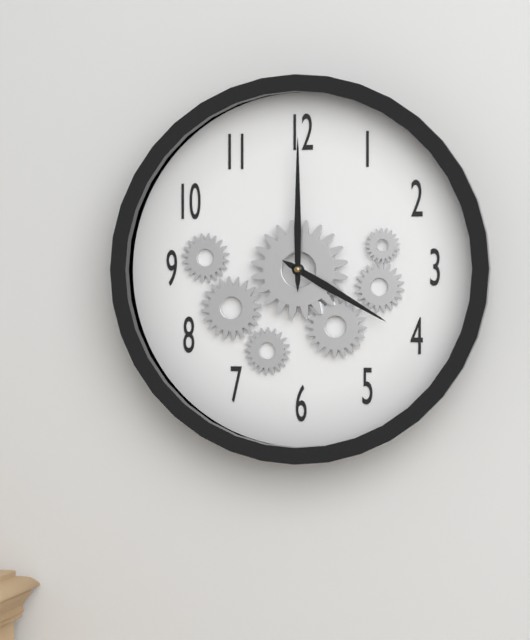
4:00
